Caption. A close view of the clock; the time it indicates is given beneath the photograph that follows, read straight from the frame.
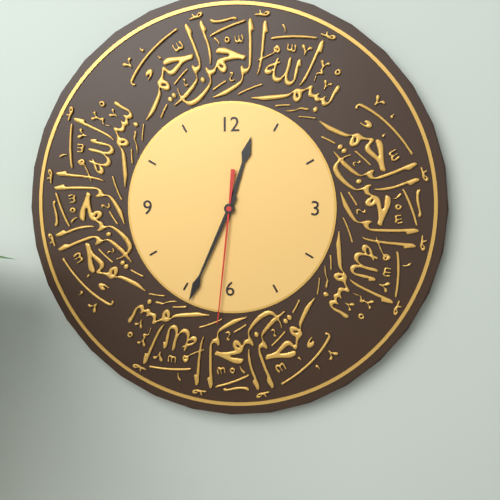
12:34:31
